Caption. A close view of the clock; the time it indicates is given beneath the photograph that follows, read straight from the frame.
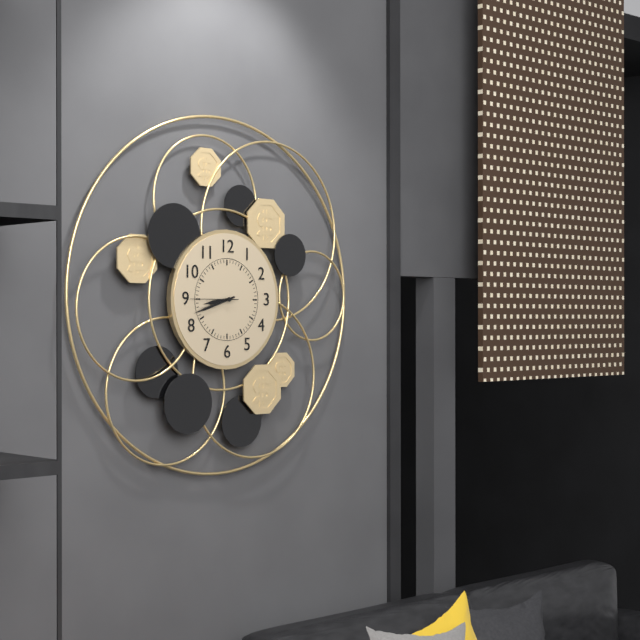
8:42
